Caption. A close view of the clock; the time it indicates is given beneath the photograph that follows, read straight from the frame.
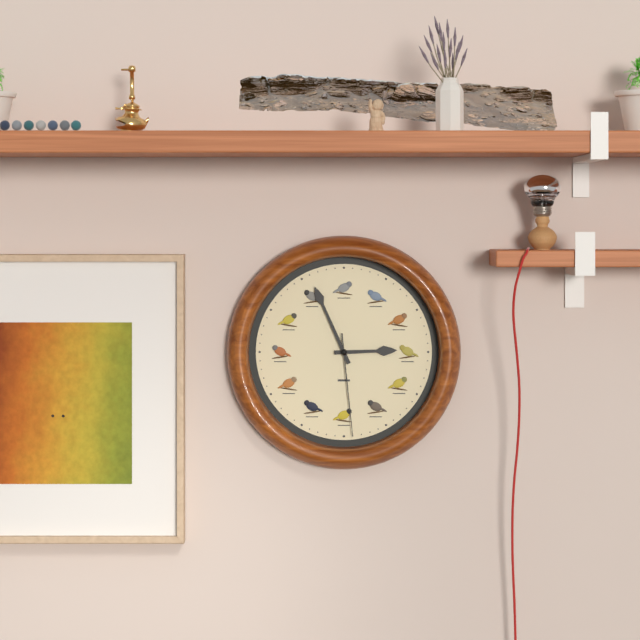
2:56:29
